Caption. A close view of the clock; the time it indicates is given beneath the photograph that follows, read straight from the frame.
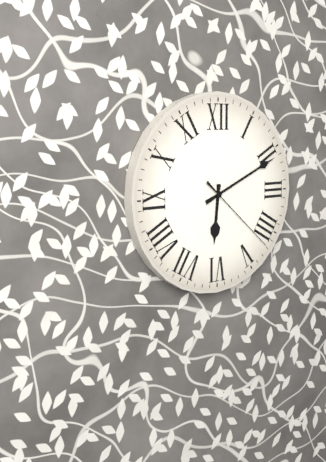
6:11:22
